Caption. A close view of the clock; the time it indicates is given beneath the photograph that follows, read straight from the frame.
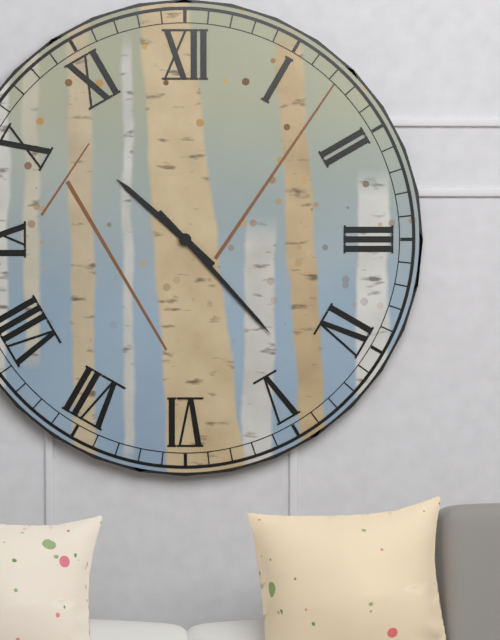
10:23
